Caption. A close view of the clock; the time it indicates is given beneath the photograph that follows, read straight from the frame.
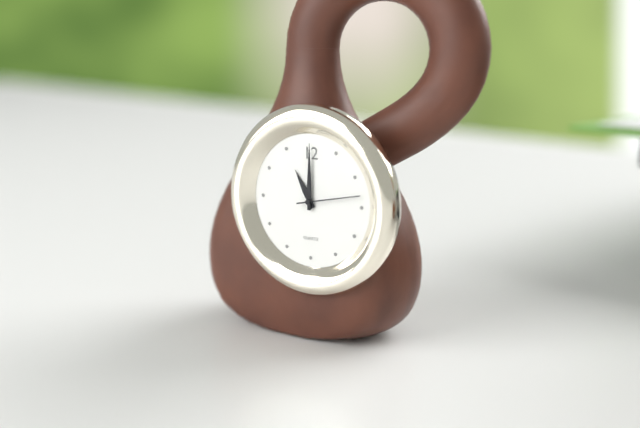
11:00:13
